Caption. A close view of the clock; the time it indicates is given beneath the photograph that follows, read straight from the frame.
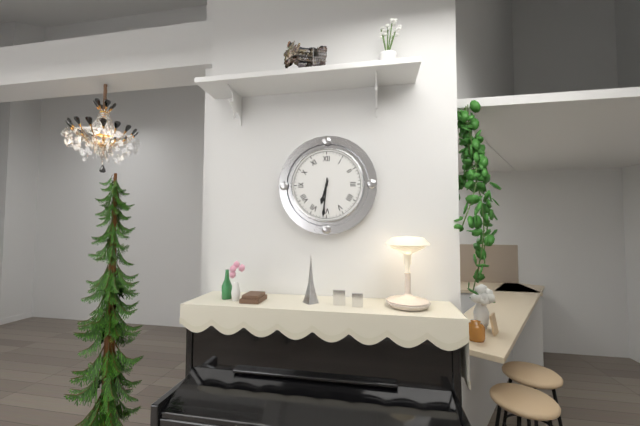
6:31
